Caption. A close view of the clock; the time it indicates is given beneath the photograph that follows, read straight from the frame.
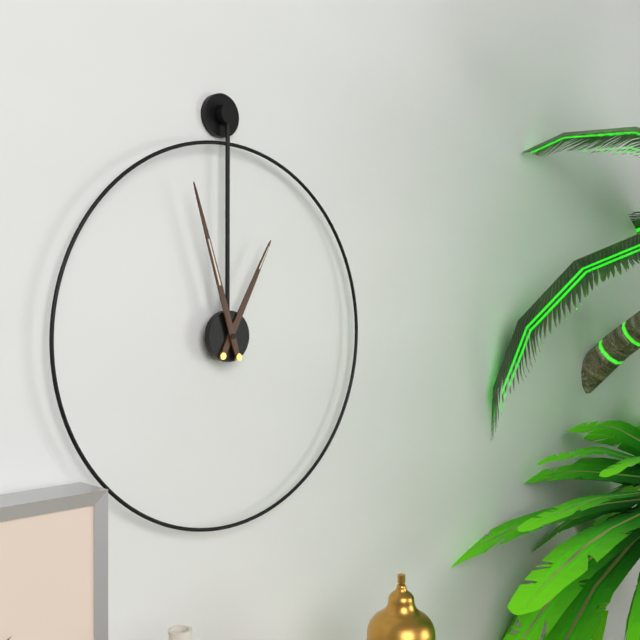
12:57
